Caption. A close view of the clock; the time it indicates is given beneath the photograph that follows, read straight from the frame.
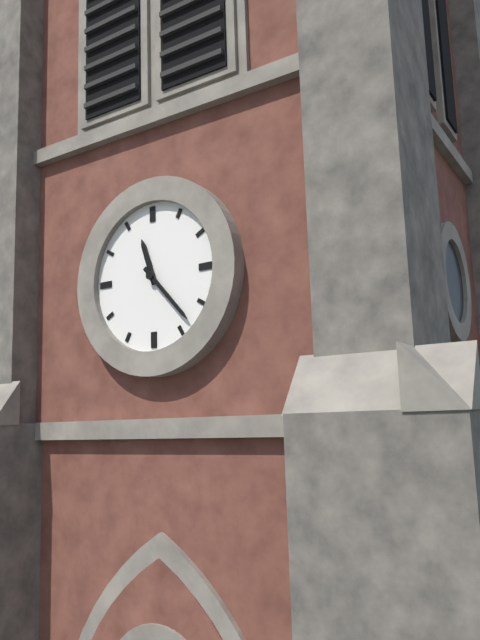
11:23
